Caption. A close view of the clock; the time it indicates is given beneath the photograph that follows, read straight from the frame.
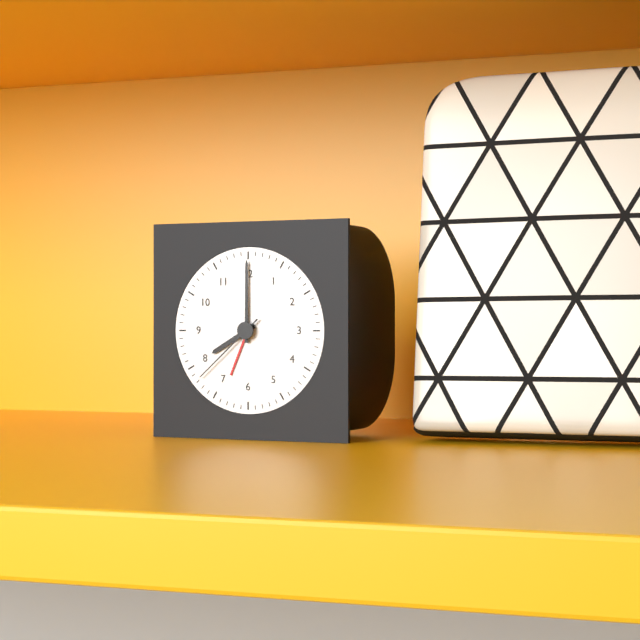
8:00:38
